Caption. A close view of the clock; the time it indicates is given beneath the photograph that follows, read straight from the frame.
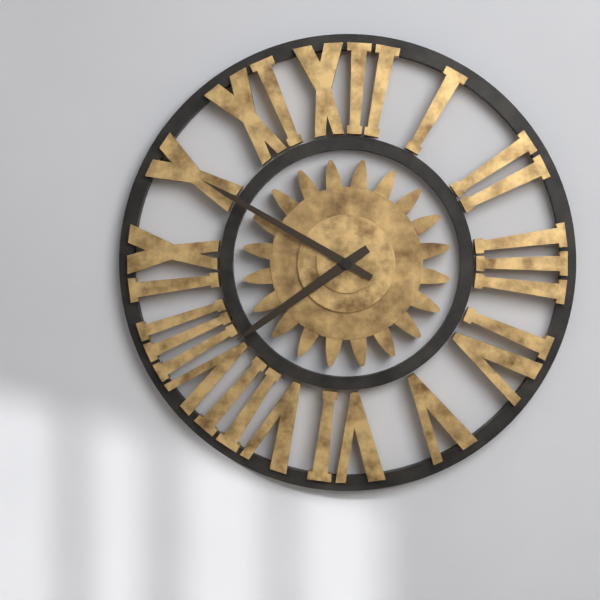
7:50
